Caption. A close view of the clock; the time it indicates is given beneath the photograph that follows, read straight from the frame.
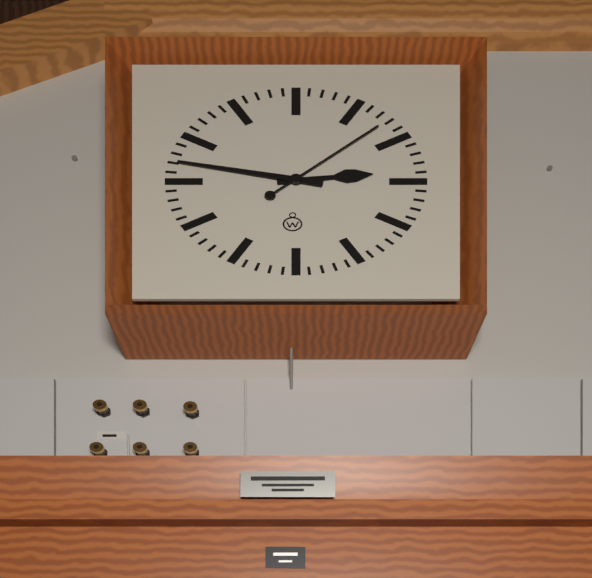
2:47:08
